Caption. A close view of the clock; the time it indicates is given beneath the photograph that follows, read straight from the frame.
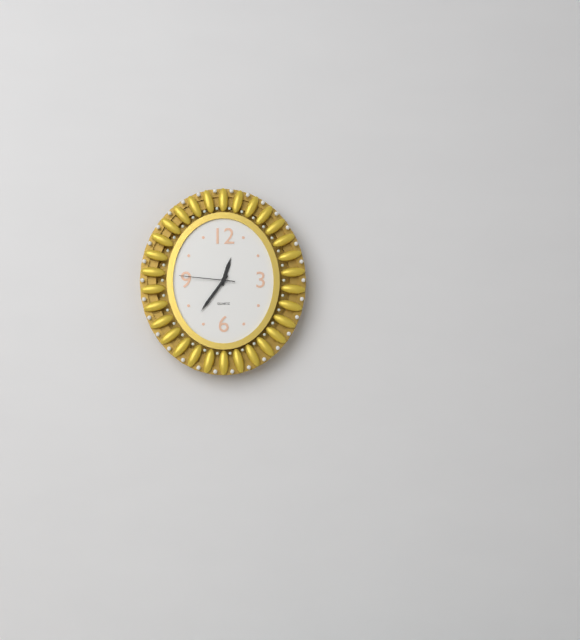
12:36:46
